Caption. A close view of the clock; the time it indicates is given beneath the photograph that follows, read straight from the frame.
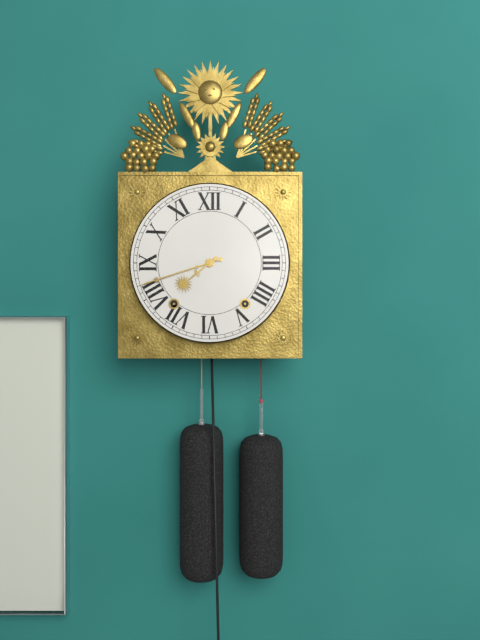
7:42
